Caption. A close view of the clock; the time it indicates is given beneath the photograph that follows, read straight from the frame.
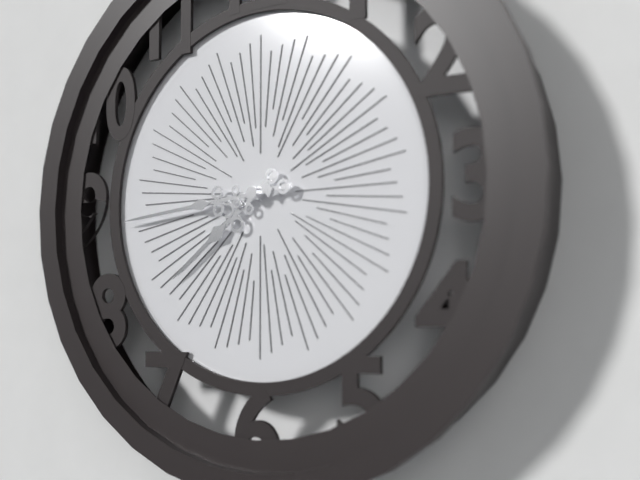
7:44
